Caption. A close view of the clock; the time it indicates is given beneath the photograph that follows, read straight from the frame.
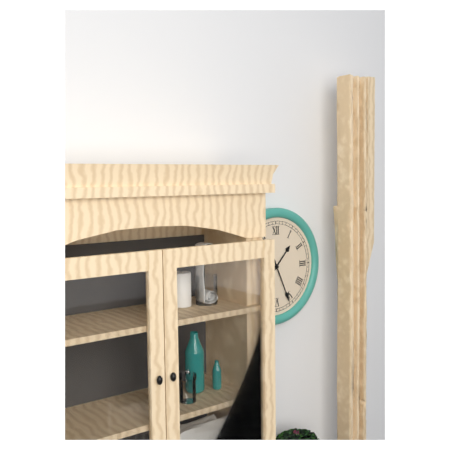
1:26
